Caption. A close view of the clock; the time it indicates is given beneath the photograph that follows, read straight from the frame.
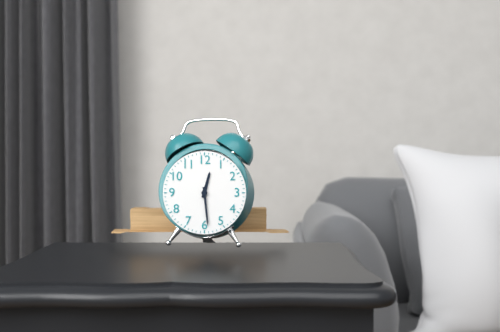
12:29
